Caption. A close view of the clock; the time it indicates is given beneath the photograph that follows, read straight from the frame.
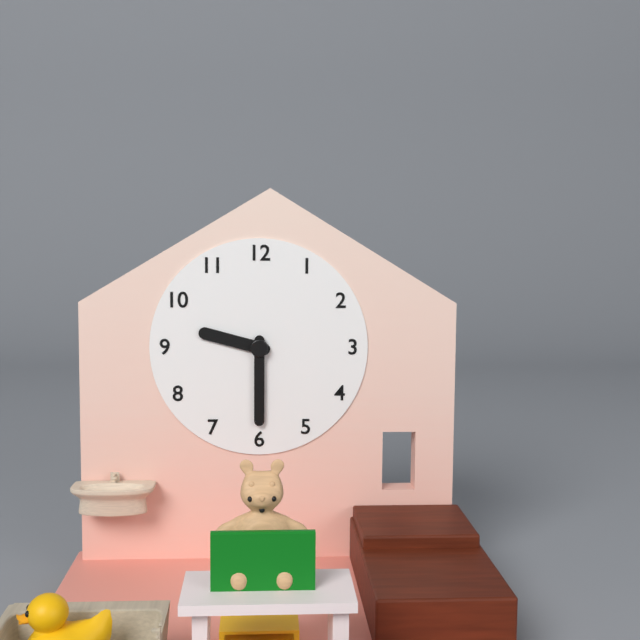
9:30
